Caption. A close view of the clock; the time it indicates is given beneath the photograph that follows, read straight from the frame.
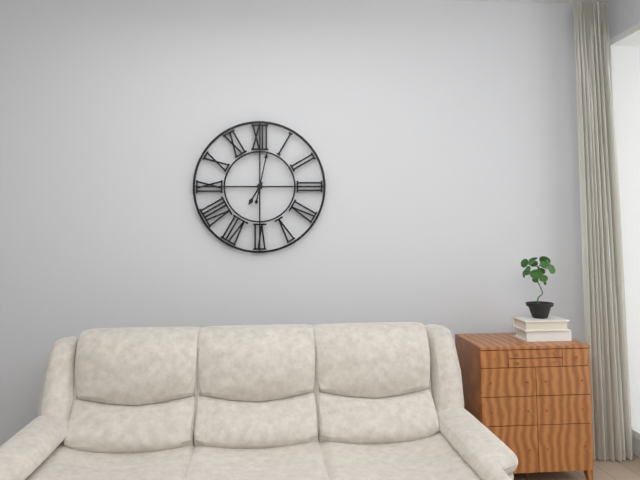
7:02
